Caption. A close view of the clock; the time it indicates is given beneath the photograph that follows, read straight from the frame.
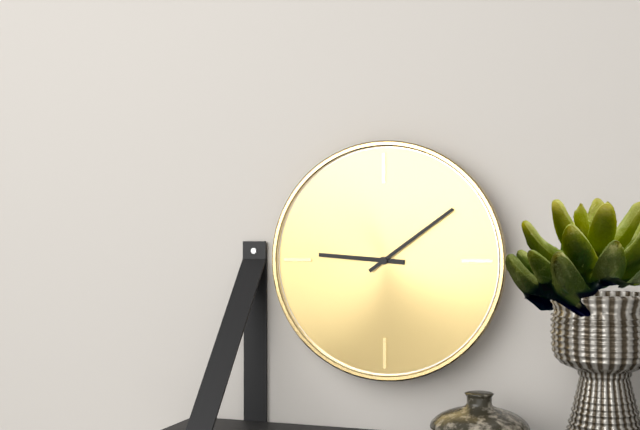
9:09
